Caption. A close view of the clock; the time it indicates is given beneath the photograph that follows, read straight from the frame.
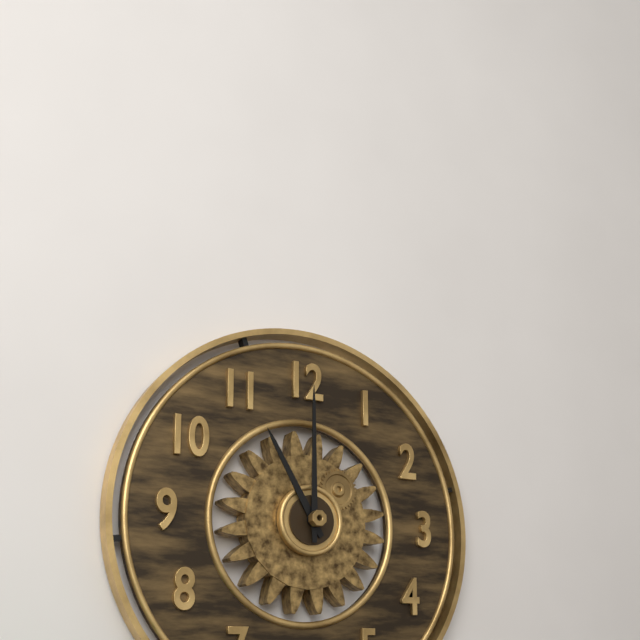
11:00
